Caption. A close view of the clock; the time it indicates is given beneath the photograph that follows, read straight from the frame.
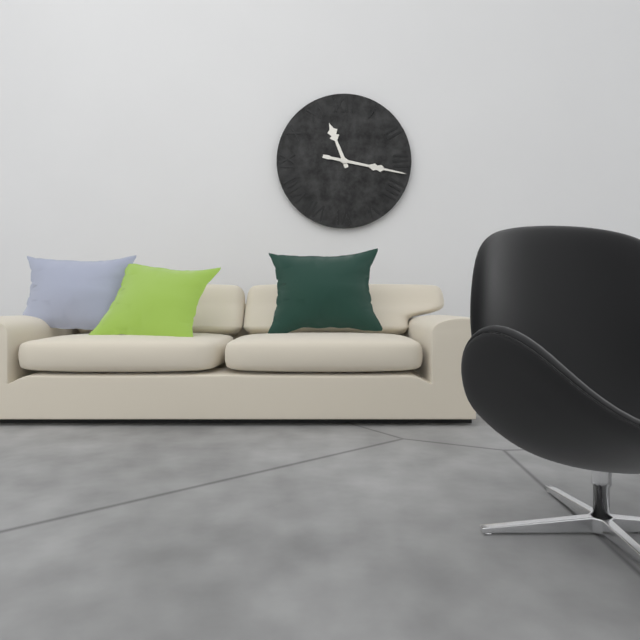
11:17
